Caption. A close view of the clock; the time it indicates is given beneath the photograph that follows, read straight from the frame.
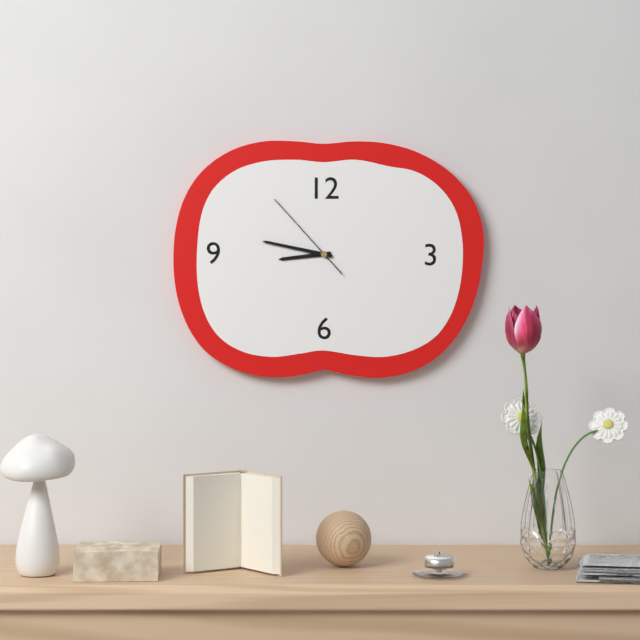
8:47:53
